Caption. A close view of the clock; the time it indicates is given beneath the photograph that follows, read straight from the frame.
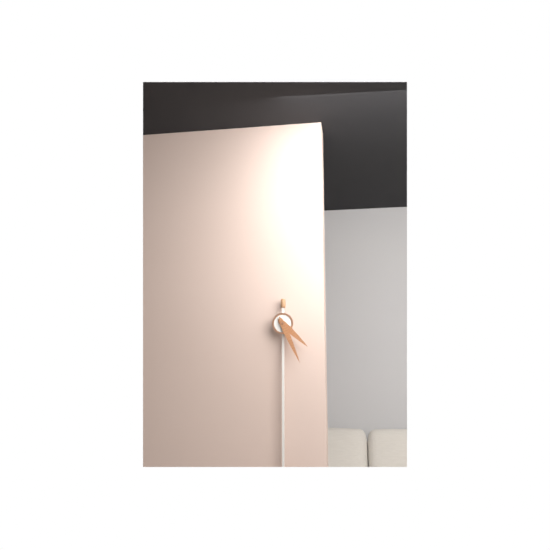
4:26
